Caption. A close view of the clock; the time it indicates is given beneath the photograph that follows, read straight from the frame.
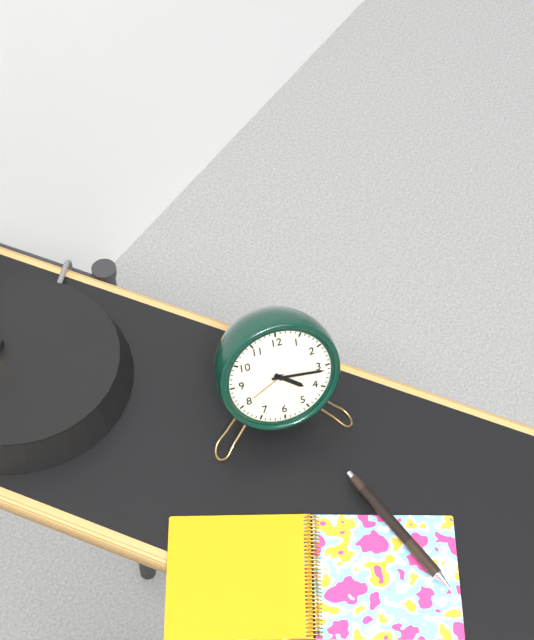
4:16
